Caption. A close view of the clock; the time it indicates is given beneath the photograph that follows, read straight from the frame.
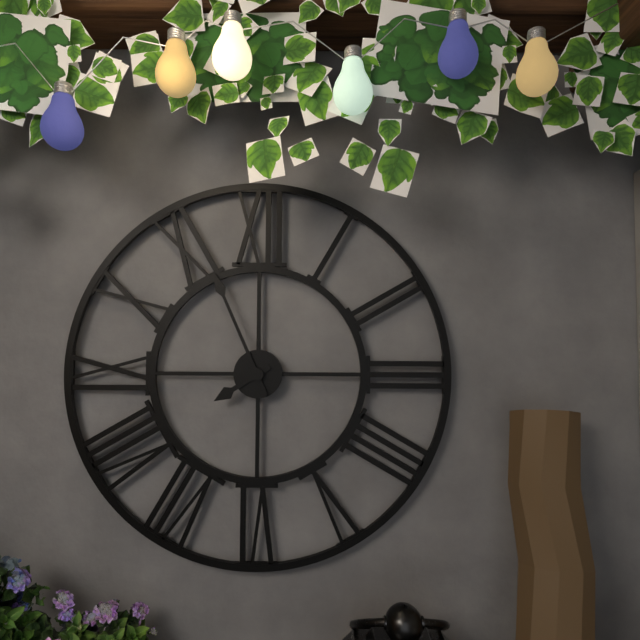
7:56
